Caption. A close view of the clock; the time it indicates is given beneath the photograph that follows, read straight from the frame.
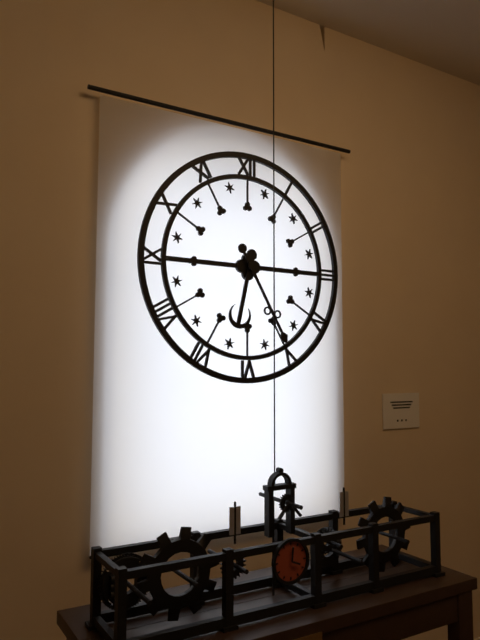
6:25
